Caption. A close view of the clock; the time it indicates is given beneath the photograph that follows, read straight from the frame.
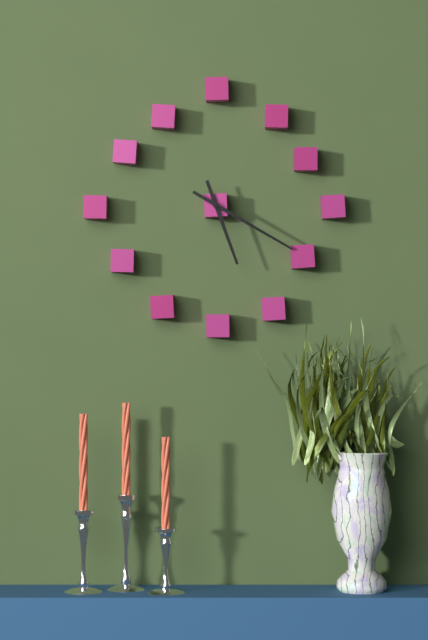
5:20
